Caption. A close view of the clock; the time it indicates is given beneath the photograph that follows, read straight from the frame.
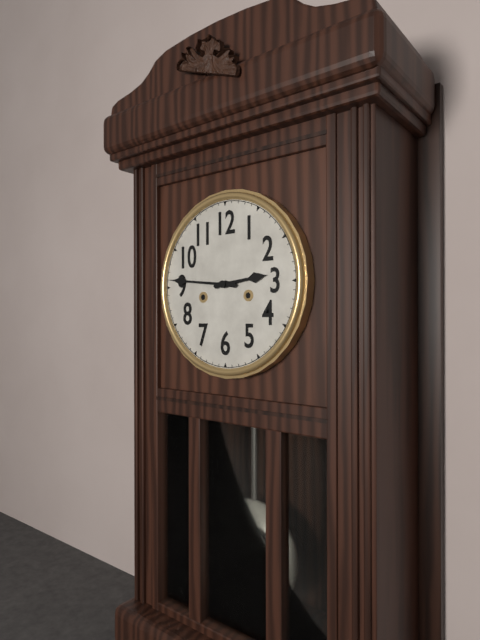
2:46
